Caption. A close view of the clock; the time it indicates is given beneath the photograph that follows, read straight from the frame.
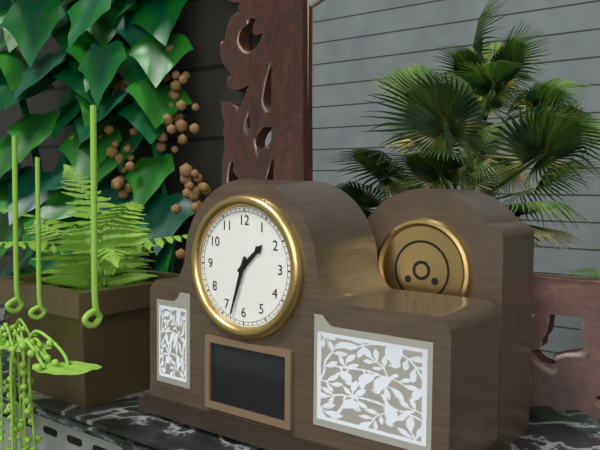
1:33
